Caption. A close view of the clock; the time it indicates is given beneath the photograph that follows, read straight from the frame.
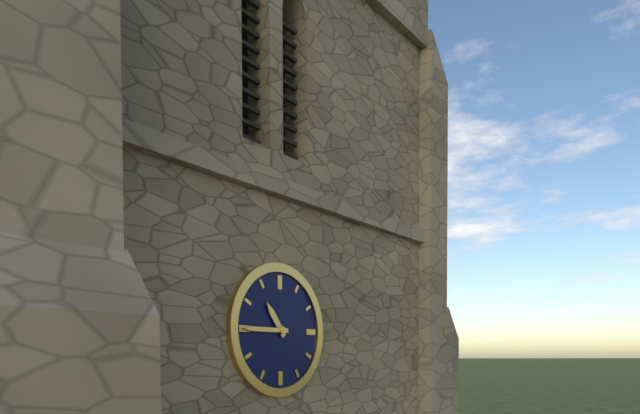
10:45
